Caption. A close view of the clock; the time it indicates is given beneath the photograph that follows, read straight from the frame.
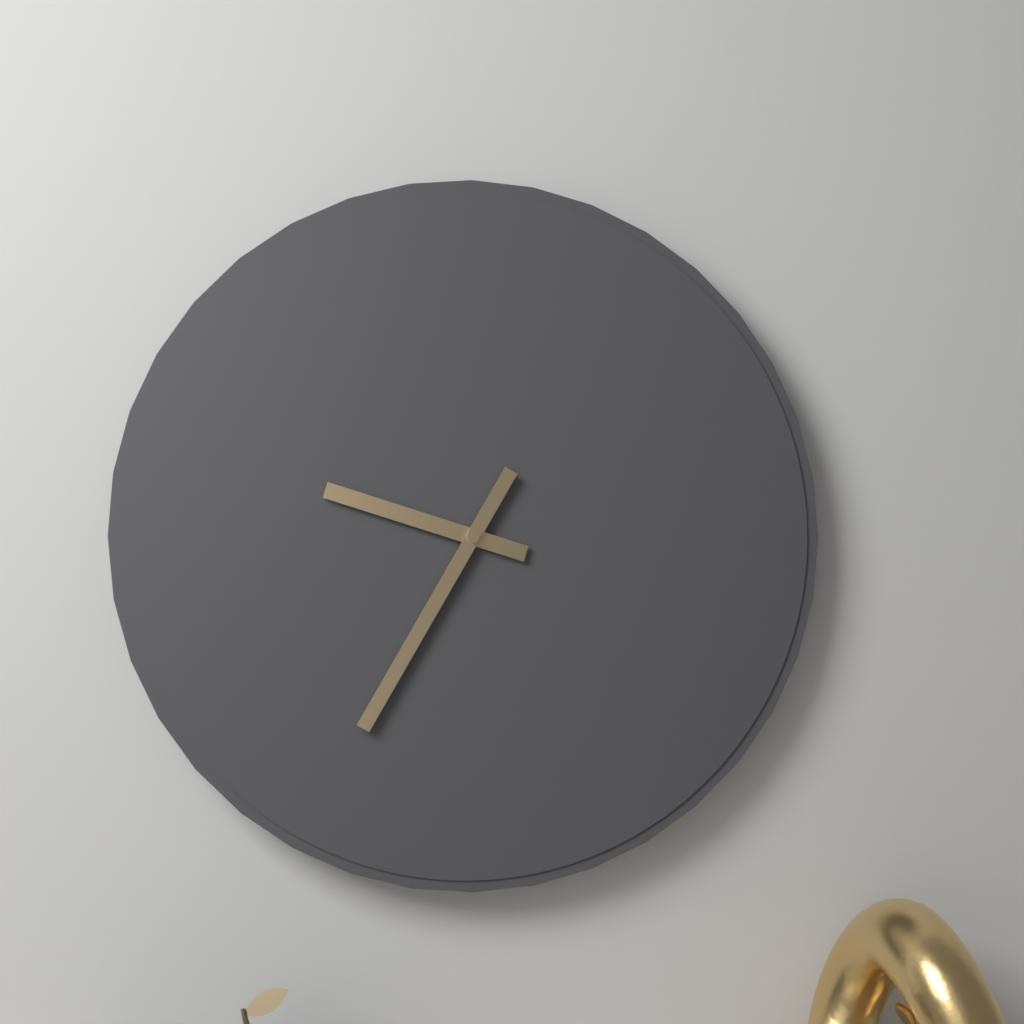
9:35
